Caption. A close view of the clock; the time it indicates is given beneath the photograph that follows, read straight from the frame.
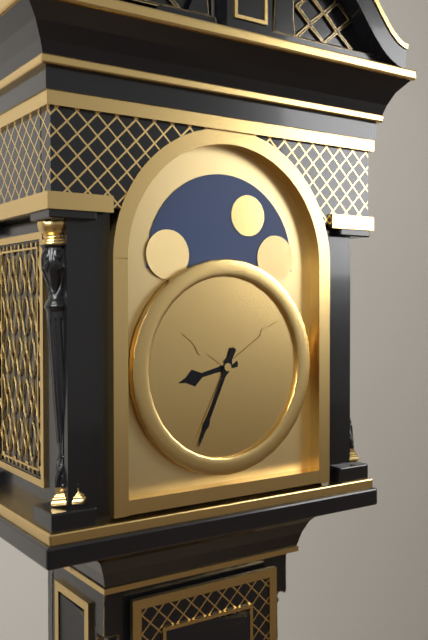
8:34
